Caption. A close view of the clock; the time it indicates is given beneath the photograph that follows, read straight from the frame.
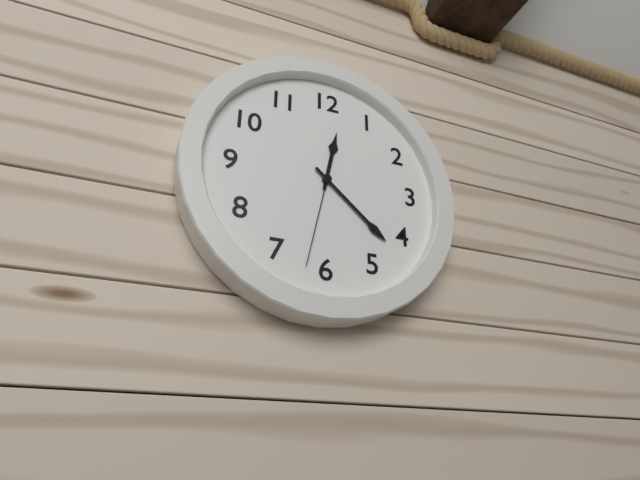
12:22:32
